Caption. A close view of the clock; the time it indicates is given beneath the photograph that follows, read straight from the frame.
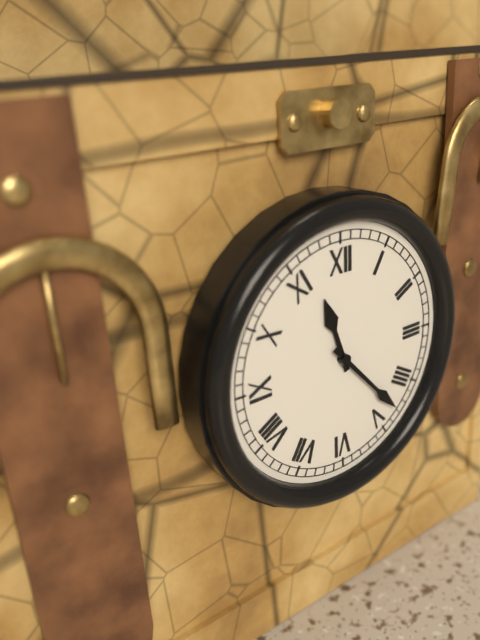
11:23
